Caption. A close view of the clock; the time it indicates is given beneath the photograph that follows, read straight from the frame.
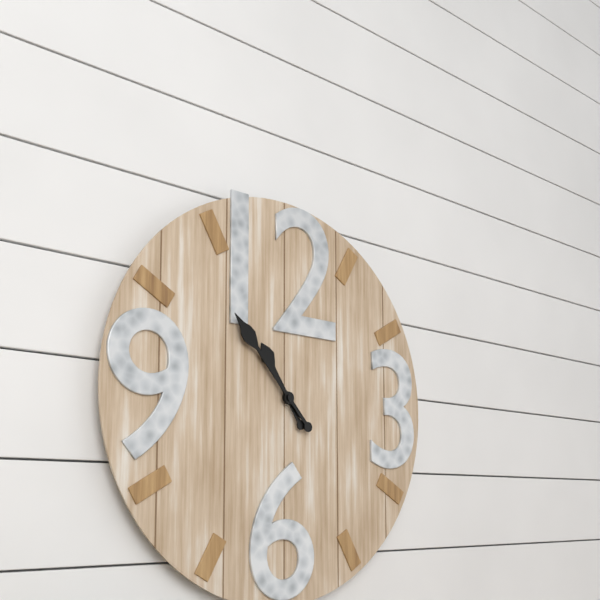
10:53
